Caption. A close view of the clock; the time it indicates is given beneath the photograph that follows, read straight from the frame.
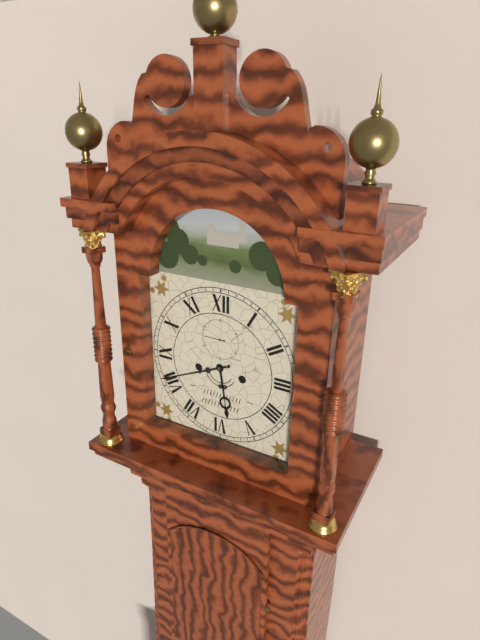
5:41
